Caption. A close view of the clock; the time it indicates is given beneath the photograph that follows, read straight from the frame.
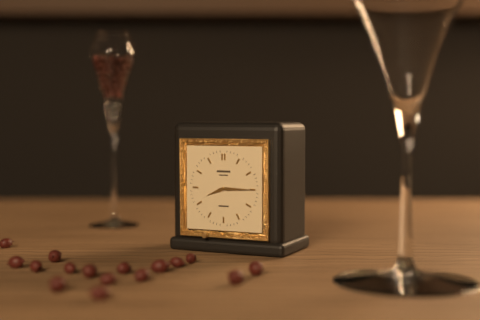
8:15
